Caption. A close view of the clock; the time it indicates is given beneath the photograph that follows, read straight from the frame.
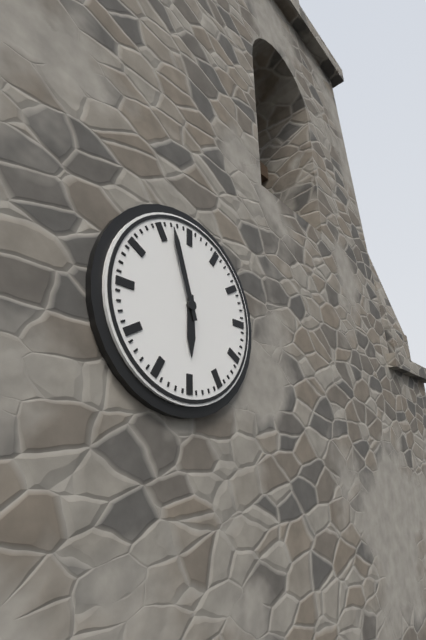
5:57
